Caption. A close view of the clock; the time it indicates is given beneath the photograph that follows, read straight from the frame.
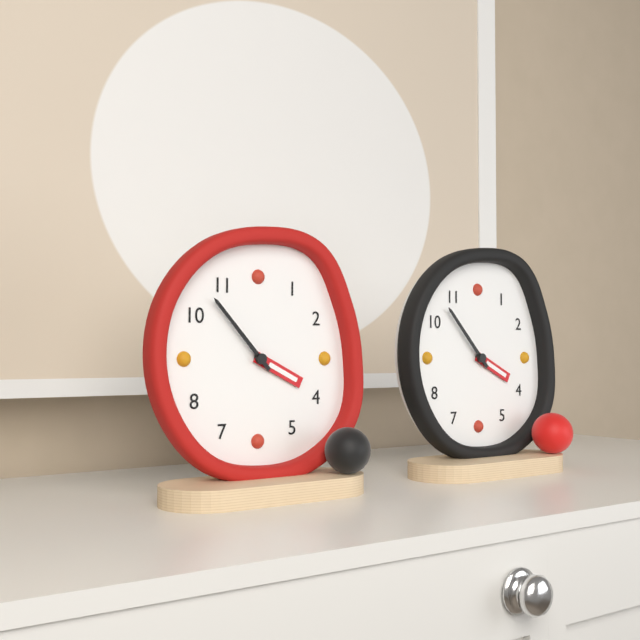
3:53
